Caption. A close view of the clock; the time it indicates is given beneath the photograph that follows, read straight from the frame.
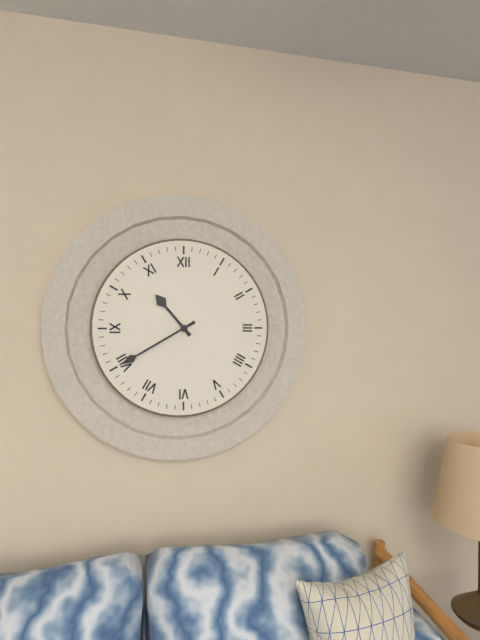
10:40
